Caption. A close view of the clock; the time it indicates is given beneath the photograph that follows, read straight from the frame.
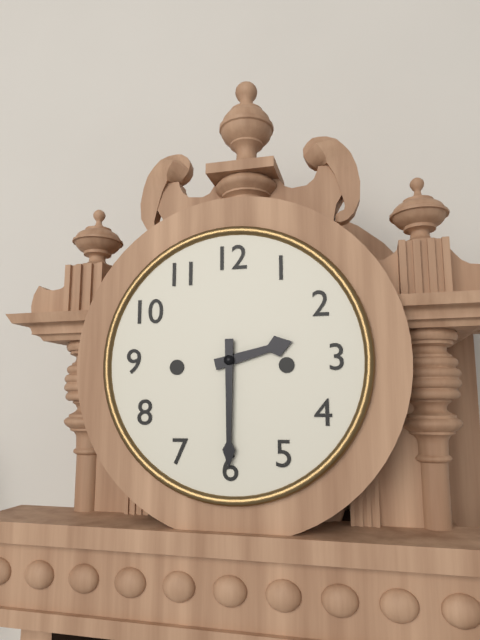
2:30
